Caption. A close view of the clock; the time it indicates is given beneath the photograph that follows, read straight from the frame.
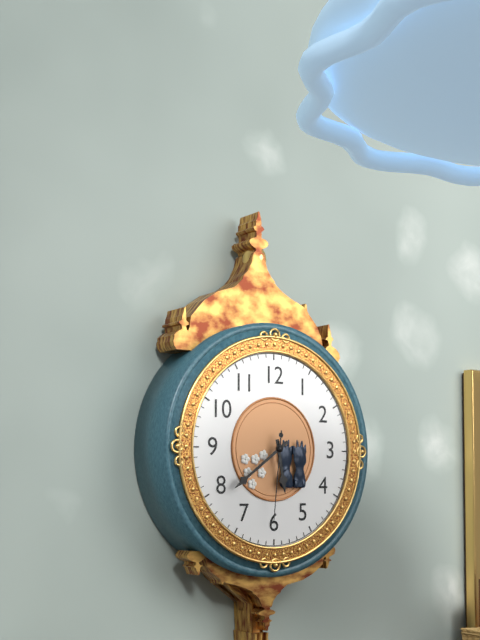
5:39:31
